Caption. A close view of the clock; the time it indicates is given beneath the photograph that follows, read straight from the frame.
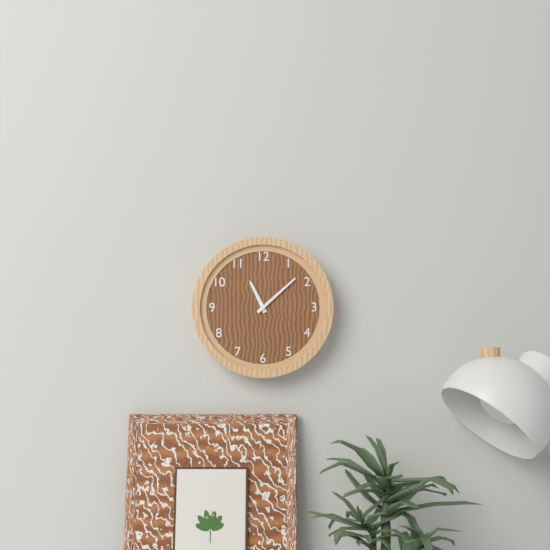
11:08
